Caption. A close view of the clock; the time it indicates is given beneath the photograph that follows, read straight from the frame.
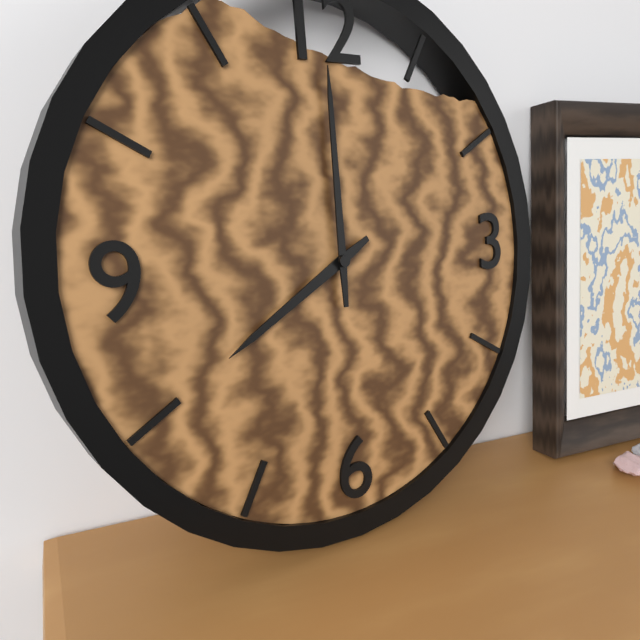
8:00
